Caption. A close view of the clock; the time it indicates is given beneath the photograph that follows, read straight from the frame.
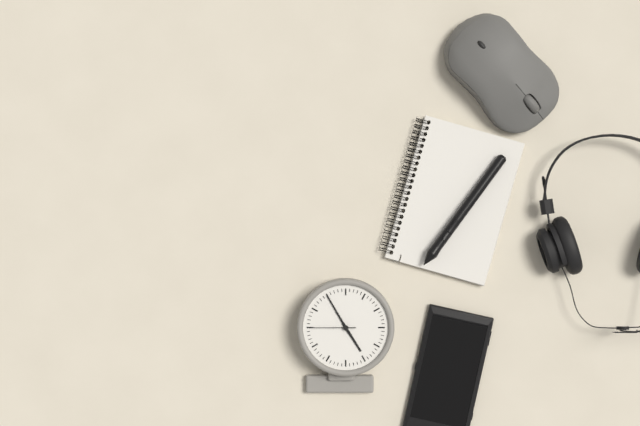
4:55
